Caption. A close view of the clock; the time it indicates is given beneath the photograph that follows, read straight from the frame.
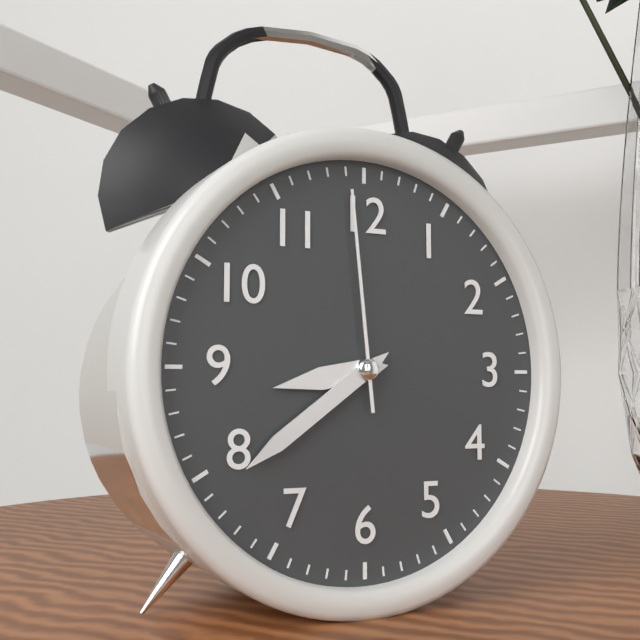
8:39:59
